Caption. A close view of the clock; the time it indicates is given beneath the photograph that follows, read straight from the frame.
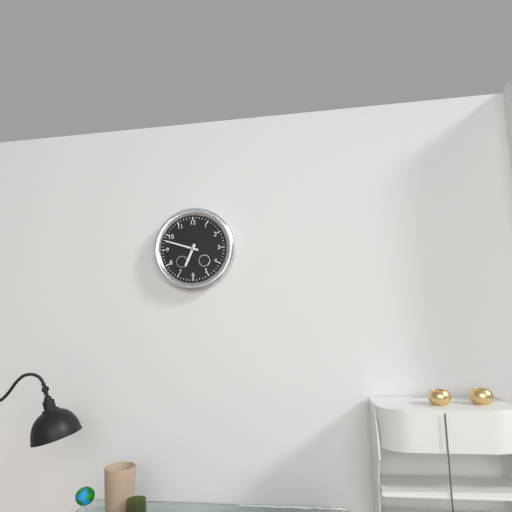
6:48
